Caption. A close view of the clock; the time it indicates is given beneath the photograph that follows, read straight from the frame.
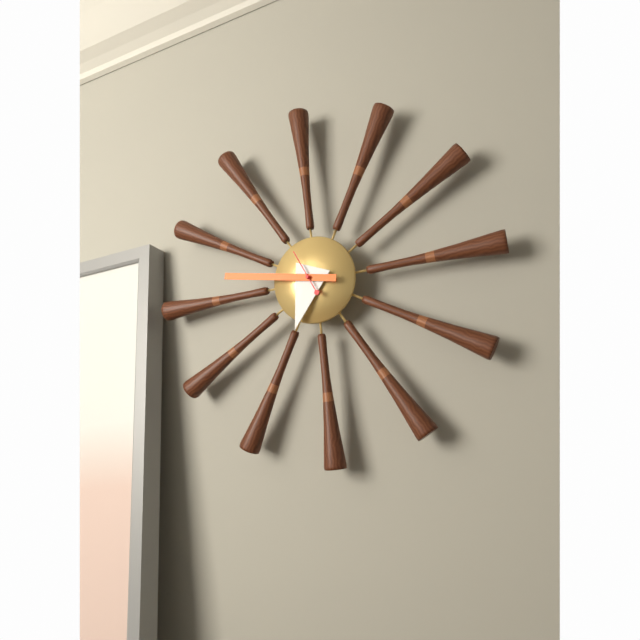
6:47:56
